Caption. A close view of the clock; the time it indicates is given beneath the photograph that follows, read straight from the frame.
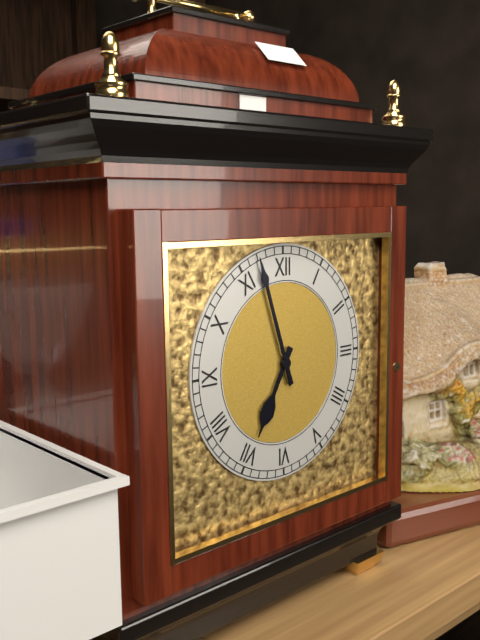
6:57
